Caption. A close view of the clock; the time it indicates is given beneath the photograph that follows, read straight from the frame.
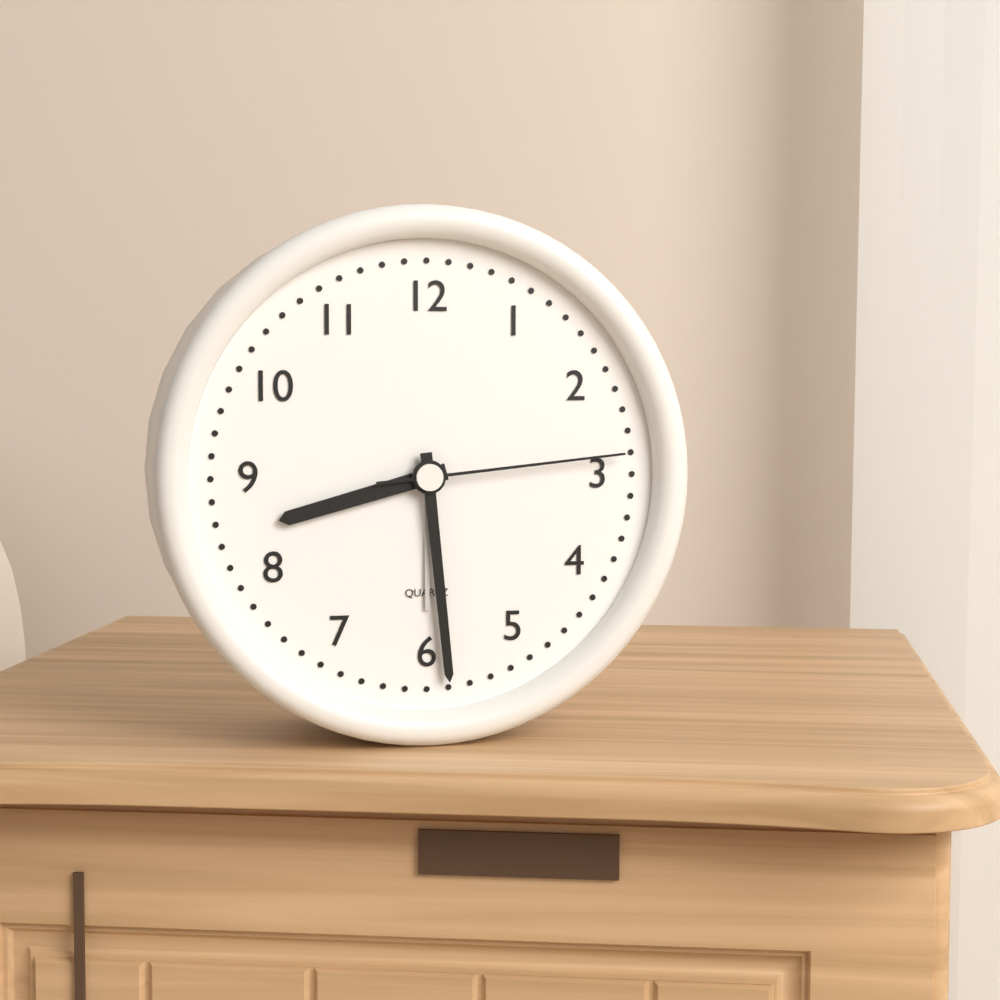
8:29:14
